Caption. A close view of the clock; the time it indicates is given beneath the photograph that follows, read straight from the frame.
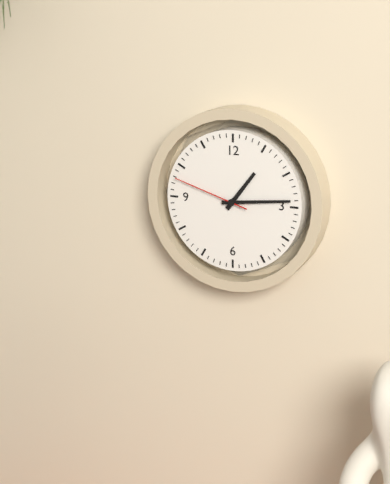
1:14:48
